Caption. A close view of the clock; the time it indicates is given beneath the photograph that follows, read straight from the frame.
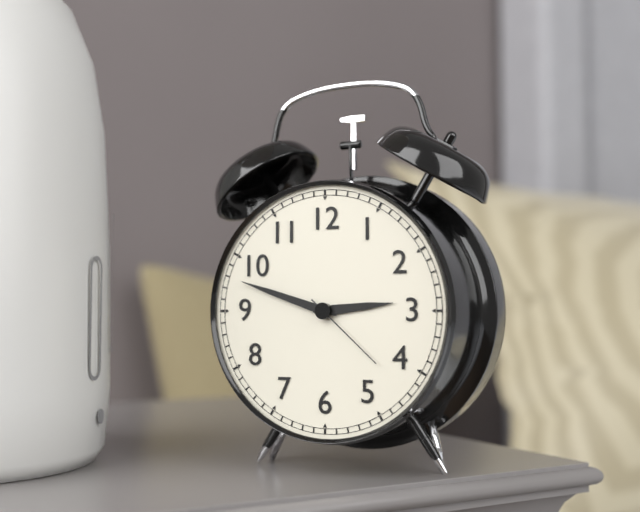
2:48:22
